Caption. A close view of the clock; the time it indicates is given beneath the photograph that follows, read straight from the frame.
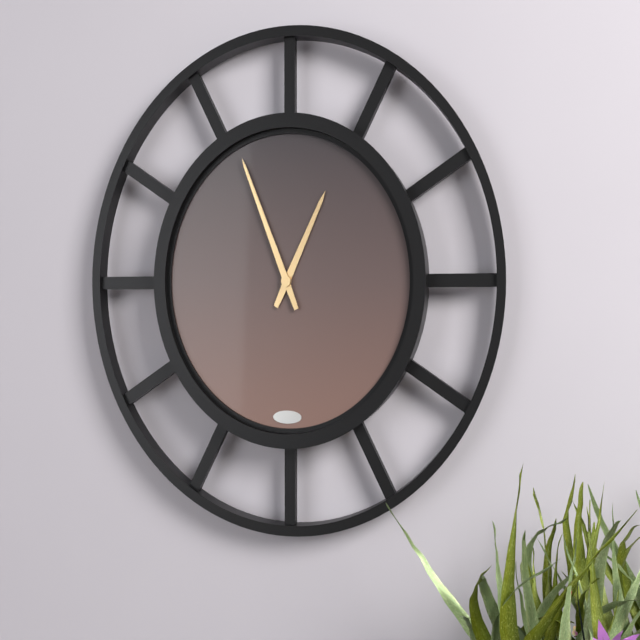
12:56
